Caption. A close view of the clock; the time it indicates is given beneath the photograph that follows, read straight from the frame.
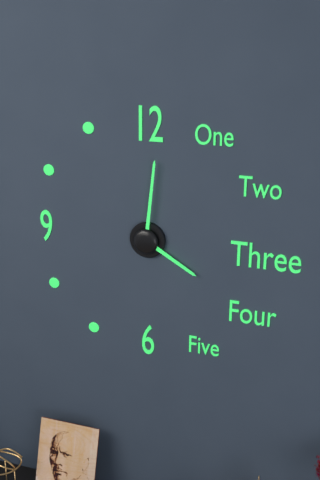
4:01
